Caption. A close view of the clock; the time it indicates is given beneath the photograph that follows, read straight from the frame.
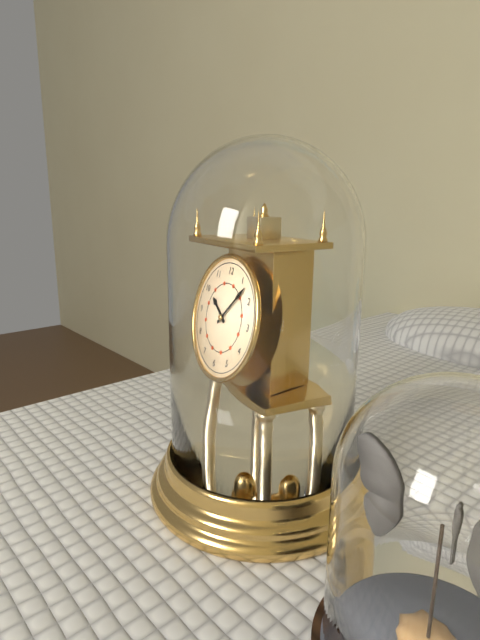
10:07
